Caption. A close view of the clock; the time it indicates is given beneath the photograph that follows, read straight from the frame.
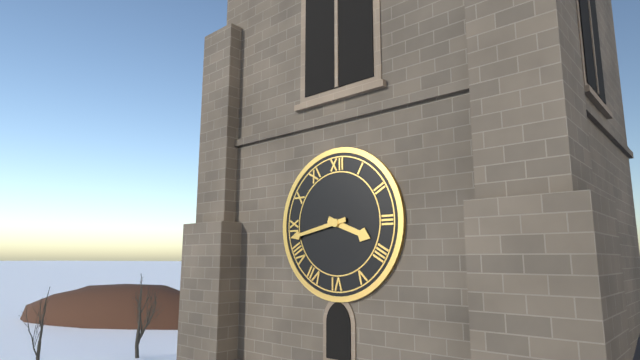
3:43
